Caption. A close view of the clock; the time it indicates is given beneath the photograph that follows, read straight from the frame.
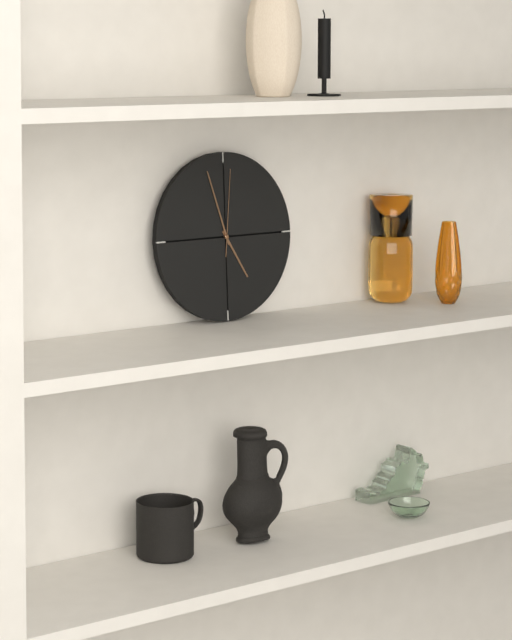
4:57:01
